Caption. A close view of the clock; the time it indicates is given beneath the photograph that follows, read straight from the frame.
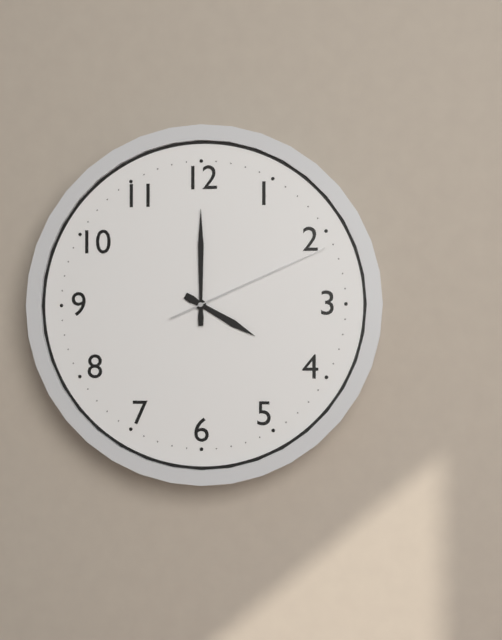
4:00:11
